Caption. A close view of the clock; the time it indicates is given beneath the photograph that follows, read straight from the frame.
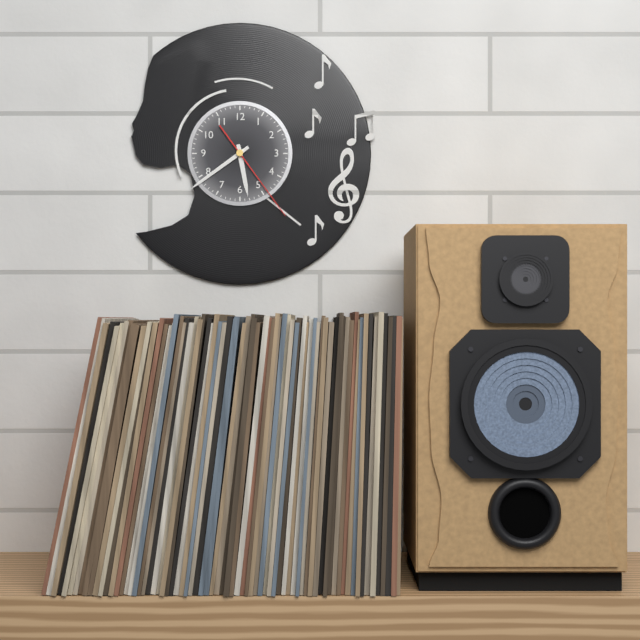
5:39:24
